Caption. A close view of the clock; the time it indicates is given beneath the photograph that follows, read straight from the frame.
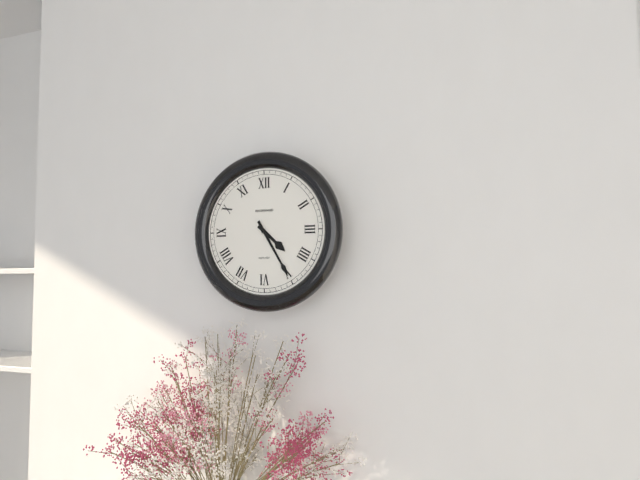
4:25
